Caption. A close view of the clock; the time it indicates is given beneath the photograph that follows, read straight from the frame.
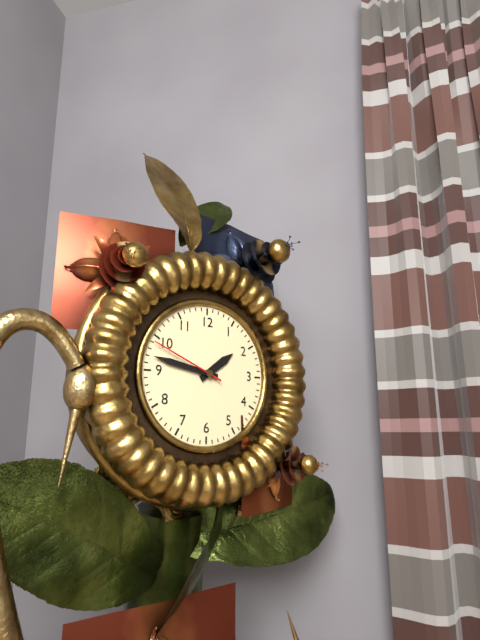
1:47:49
